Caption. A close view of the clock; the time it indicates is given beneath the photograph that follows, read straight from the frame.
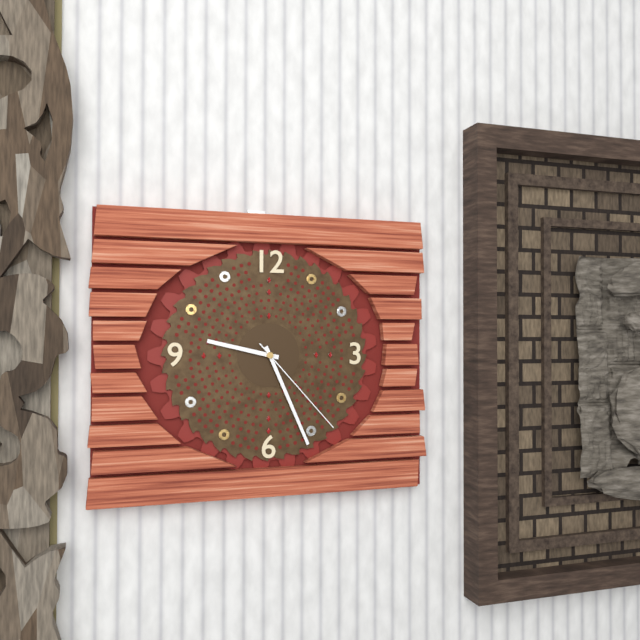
9:26:23
